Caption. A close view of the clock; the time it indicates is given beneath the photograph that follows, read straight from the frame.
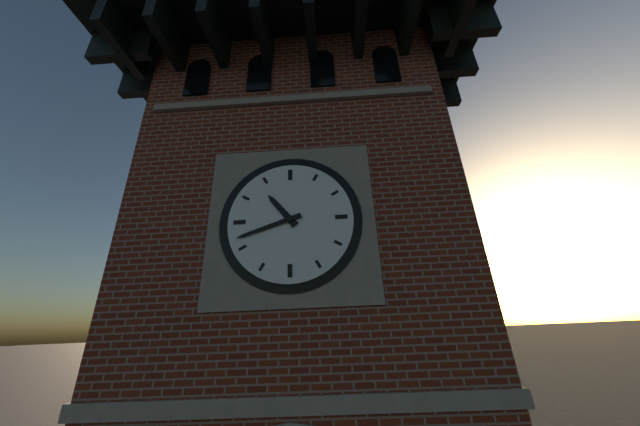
10:42
